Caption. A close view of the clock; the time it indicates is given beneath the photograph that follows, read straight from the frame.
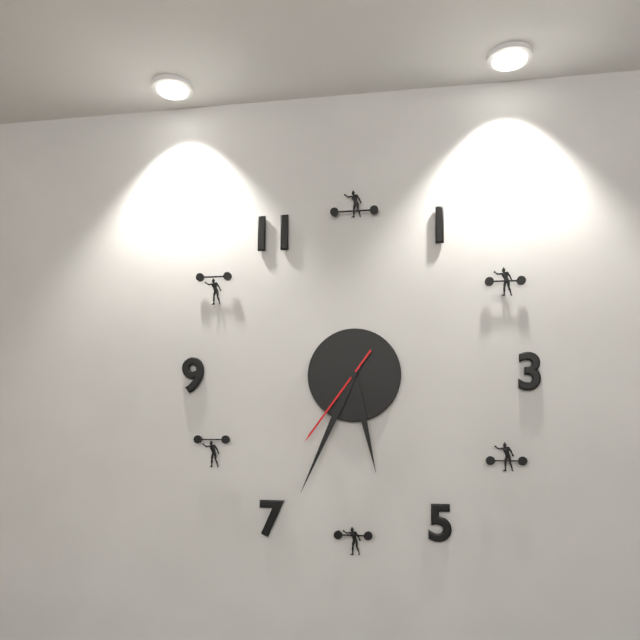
5:34:36
